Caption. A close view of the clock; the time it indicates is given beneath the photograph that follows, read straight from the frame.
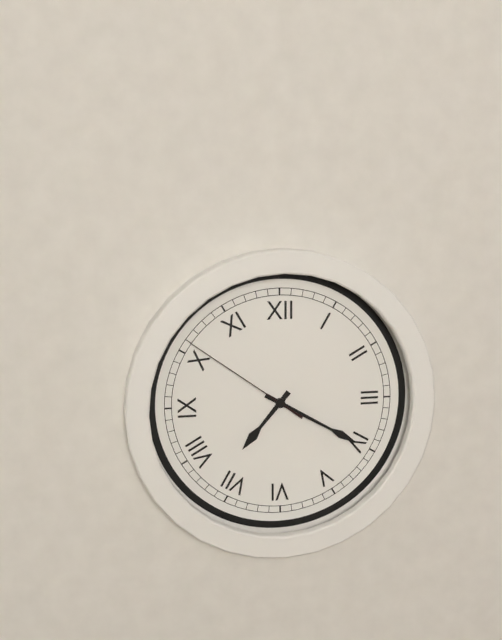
7:20:51
